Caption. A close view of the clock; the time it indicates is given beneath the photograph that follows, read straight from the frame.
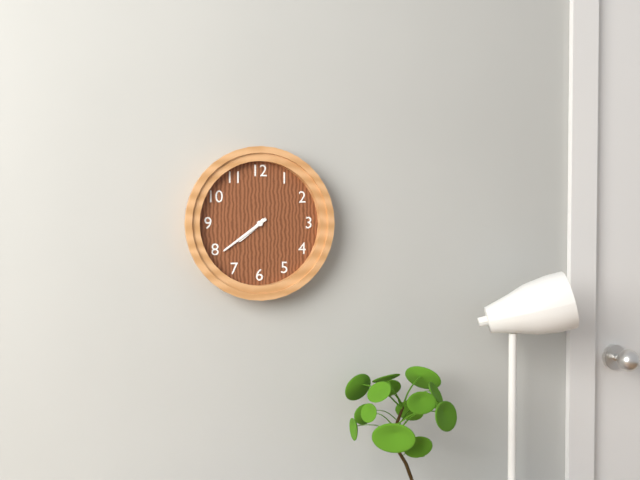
7:39
